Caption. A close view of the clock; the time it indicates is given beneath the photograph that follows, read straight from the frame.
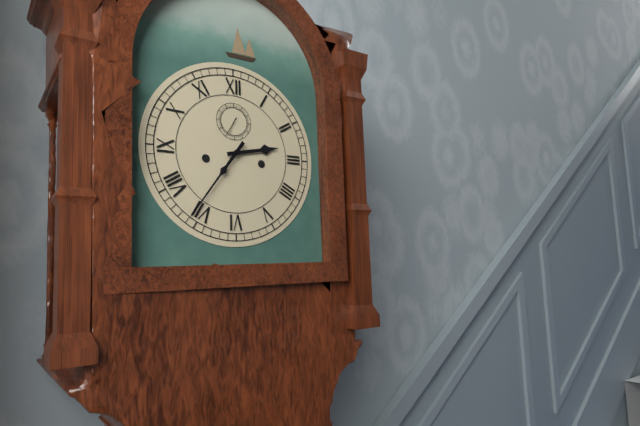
2:36
